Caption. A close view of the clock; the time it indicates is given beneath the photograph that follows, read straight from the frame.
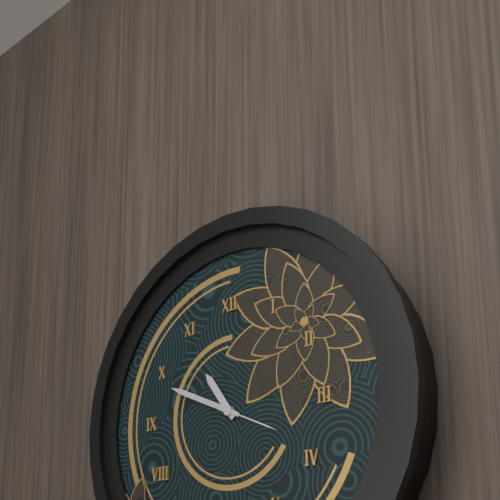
10:49:19
